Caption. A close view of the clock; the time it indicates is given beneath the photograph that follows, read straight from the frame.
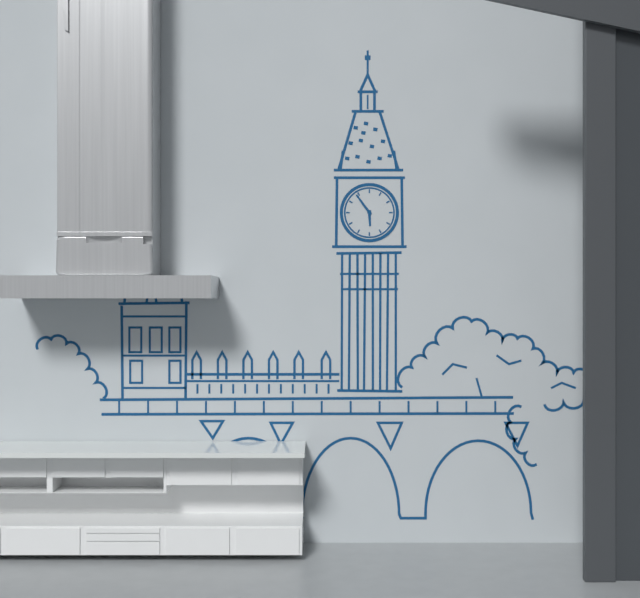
5:54
